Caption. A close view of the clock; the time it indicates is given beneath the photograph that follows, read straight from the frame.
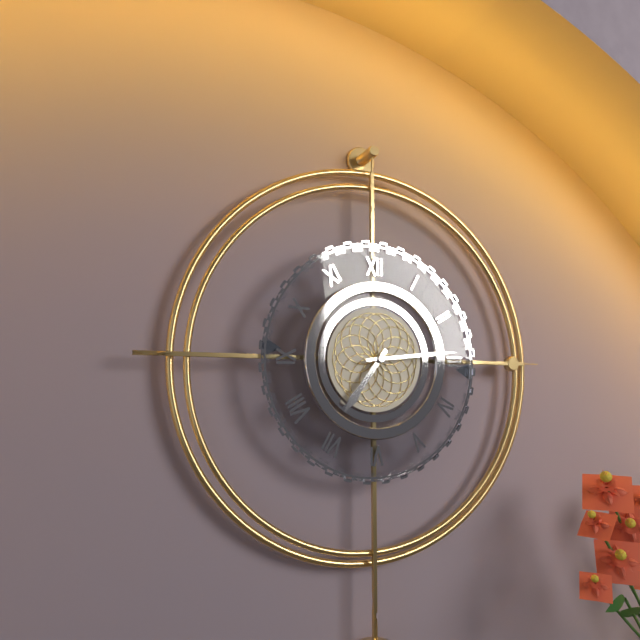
7:14
